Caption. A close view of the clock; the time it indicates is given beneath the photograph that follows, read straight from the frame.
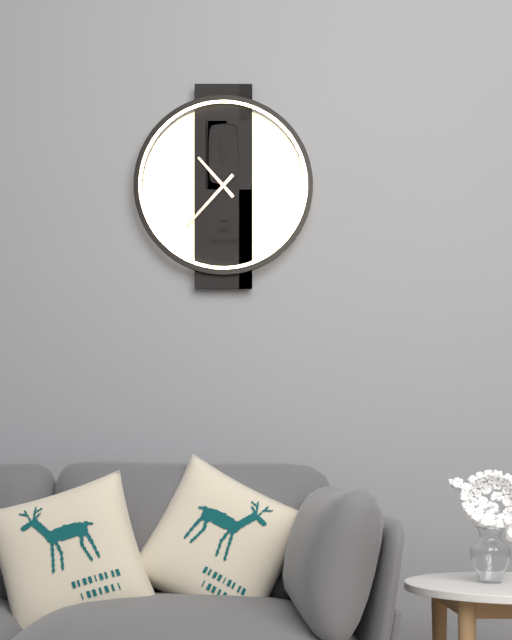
10:37
